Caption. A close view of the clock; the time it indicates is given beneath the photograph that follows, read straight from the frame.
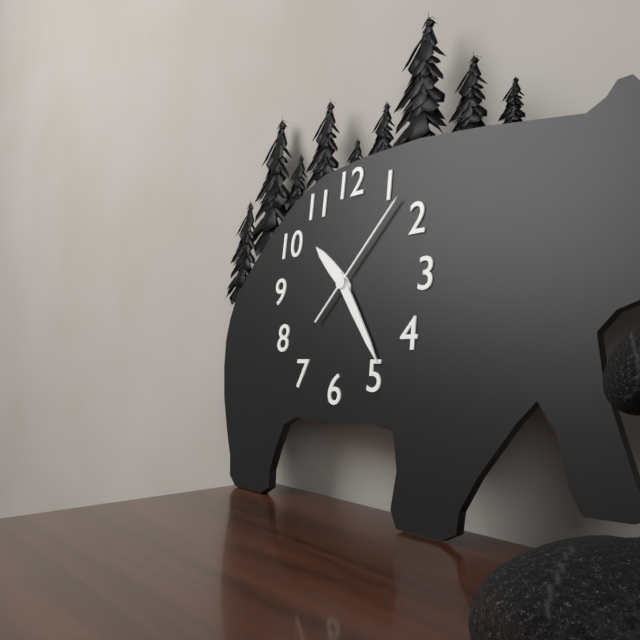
10:24:07
